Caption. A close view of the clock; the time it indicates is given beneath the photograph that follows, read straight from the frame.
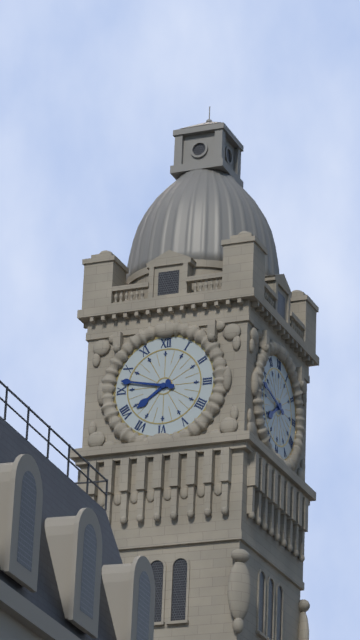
7:47
